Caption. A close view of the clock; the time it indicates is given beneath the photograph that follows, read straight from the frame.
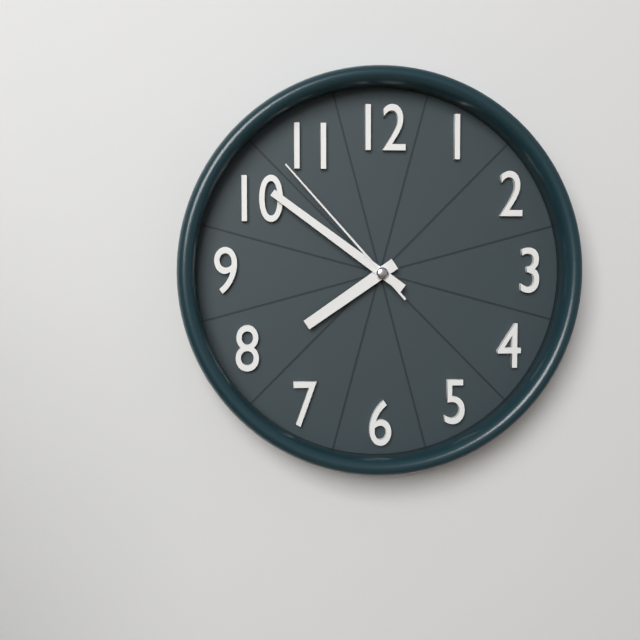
7:51:53
